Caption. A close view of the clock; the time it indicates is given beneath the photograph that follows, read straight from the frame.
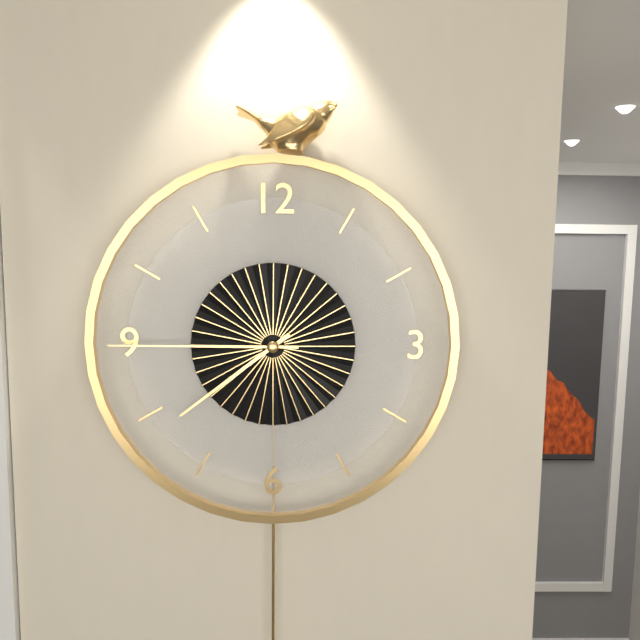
7:45
